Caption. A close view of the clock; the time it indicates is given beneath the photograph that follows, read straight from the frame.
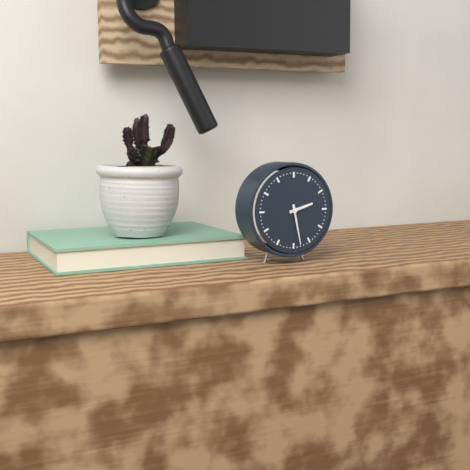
2:28
